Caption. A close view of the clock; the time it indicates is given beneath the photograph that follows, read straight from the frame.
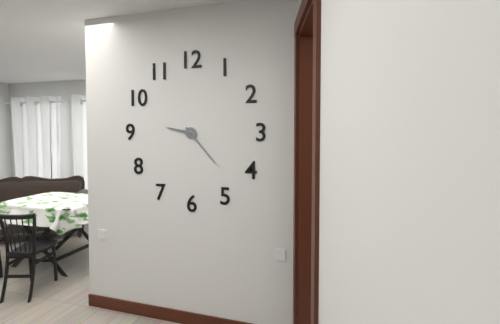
9:23
